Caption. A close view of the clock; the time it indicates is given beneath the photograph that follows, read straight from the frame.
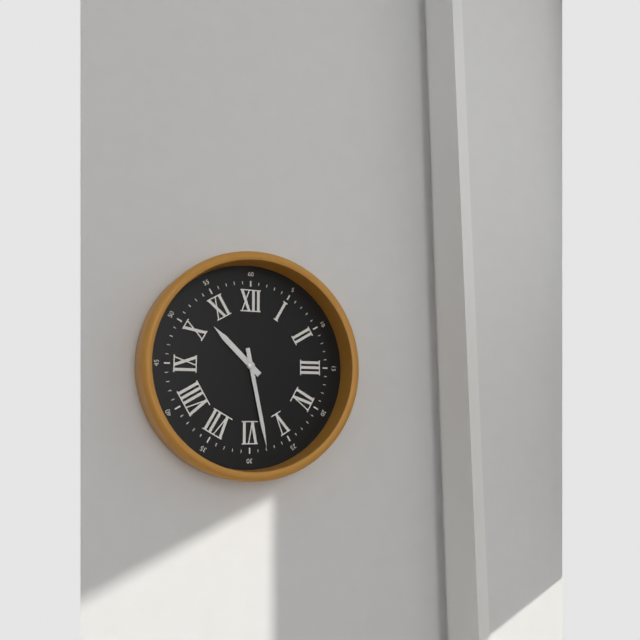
10:28
